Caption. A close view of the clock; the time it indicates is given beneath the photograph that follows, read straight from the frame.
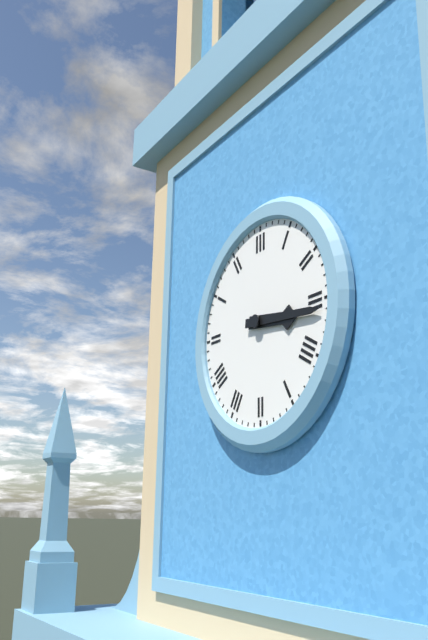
3:16
